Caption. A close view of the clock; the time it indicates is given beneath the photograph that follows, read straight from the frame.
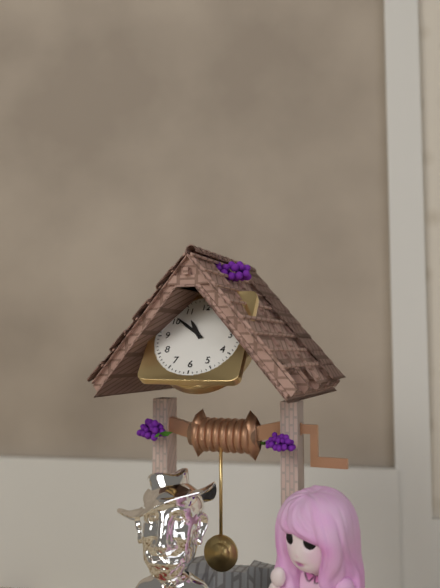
10:51
